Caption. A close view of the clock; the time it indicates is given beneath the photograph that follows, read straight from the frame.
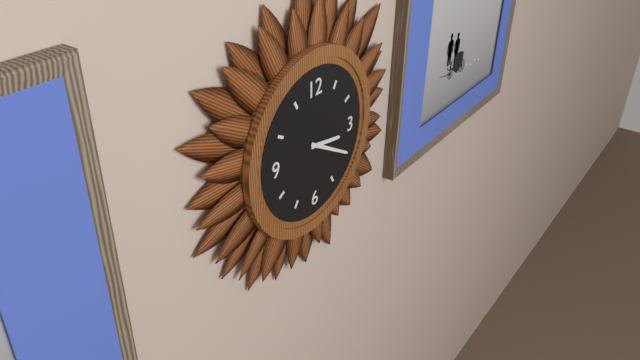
3:20
